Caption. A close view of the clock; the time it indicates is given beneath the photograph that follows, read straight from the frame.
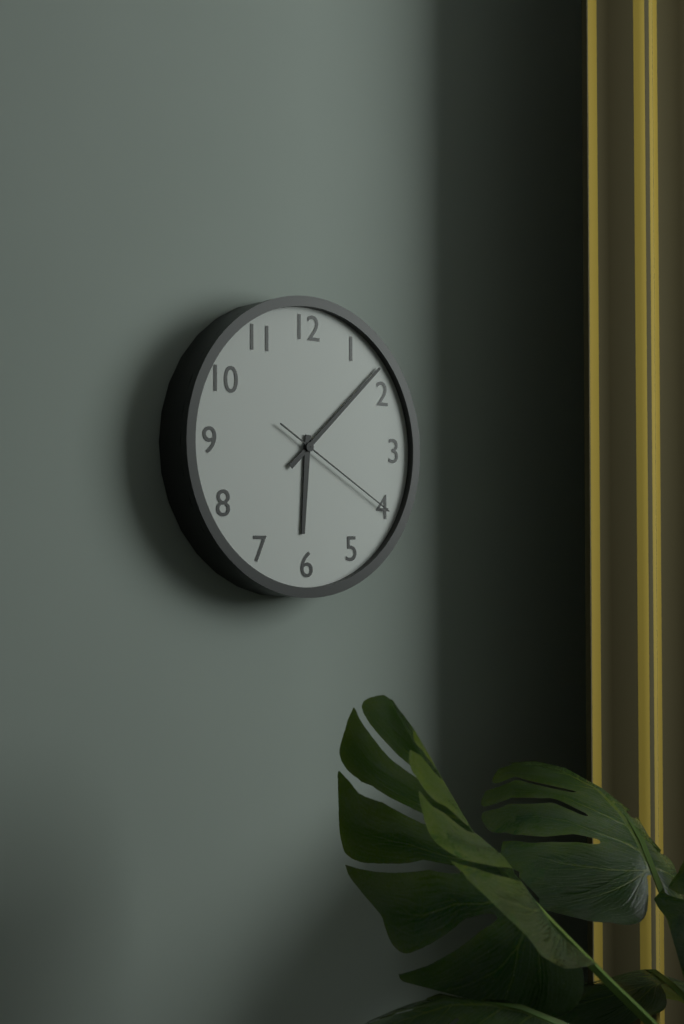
6:08:20
